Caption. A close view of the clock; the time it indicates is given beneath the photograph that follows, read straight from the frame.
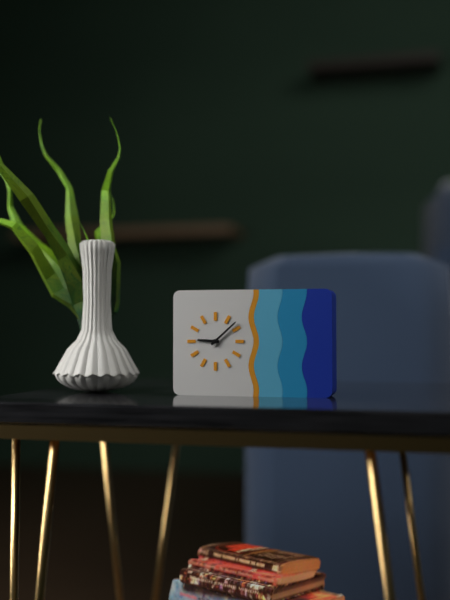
9:08
